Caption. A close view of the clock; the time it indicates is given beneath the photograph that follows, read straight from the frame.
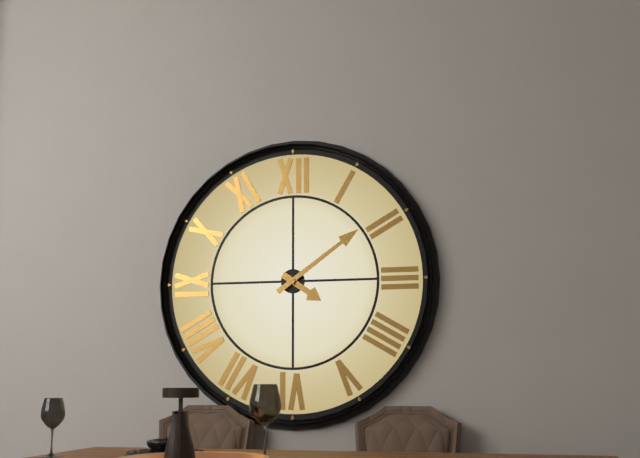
4:09
